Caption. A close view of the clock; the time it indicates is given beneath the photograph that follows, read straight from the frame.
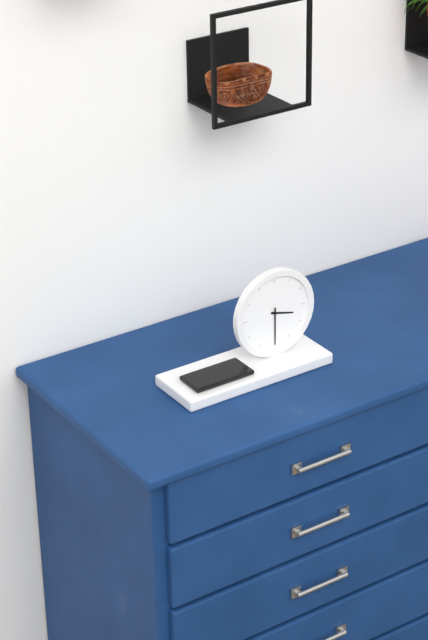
3:30
